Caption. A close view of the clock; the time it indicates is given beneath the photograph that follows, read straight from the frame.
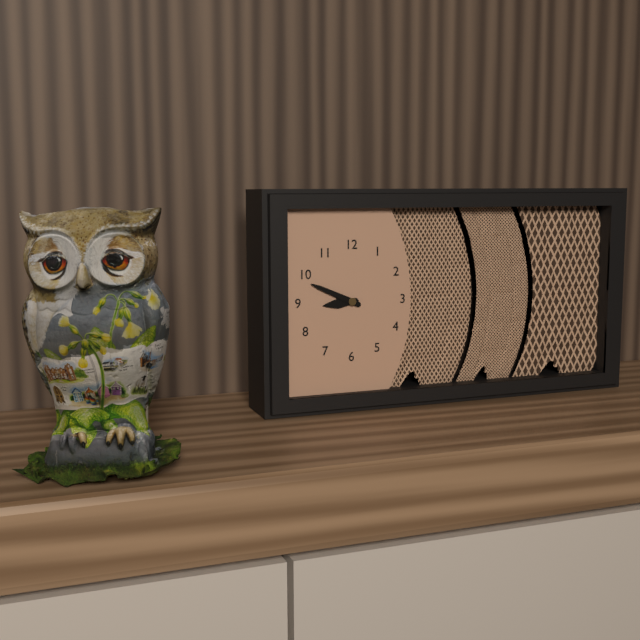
8:49
